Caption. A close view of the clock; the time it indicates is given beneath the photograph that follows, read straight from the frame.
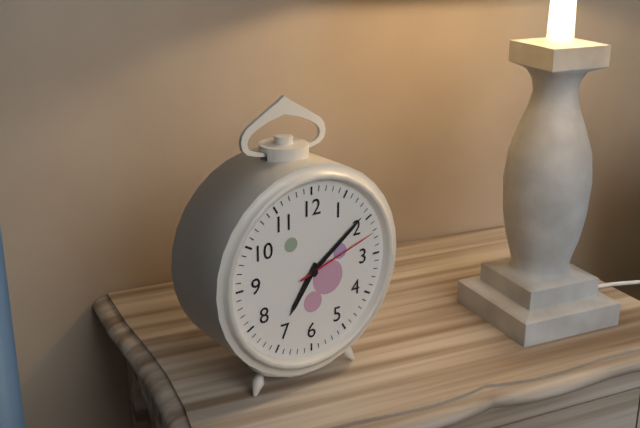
7:09:12
